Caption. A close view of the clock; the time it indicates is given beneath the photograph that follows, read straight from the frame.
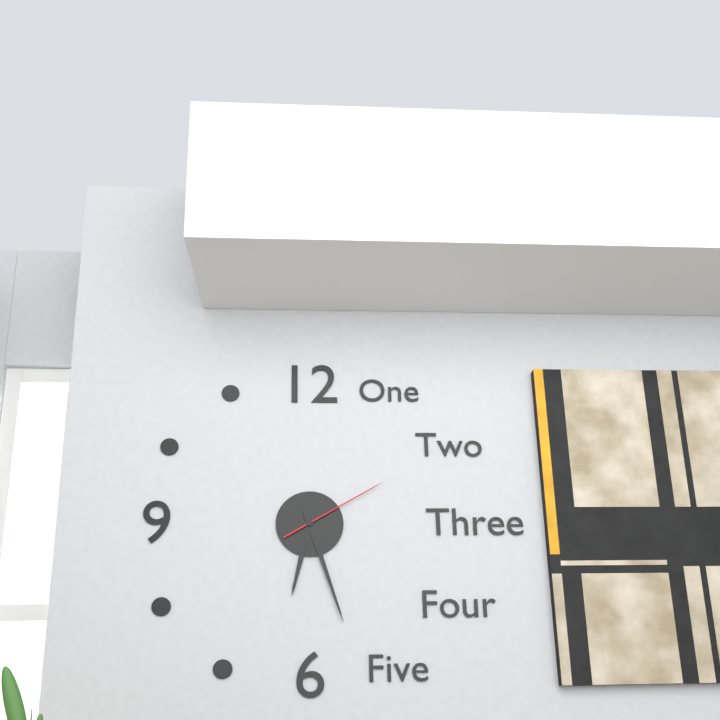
6:27:10
